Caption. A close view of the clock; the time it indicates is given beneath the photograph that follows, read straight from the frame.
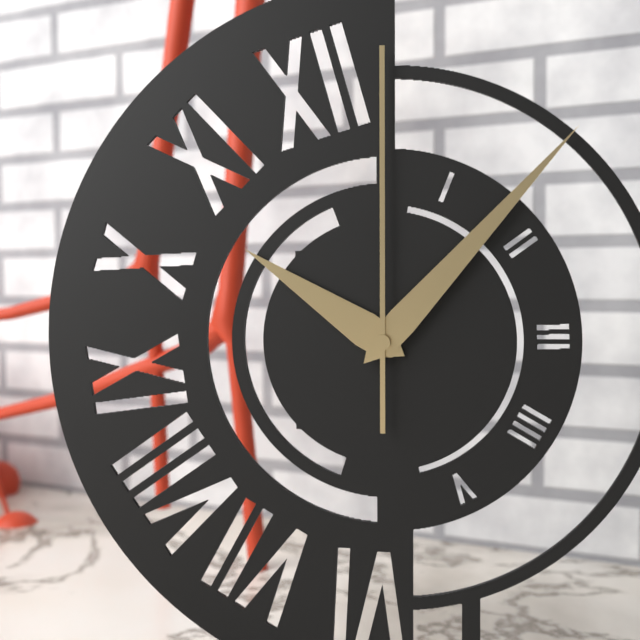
10:07:00
